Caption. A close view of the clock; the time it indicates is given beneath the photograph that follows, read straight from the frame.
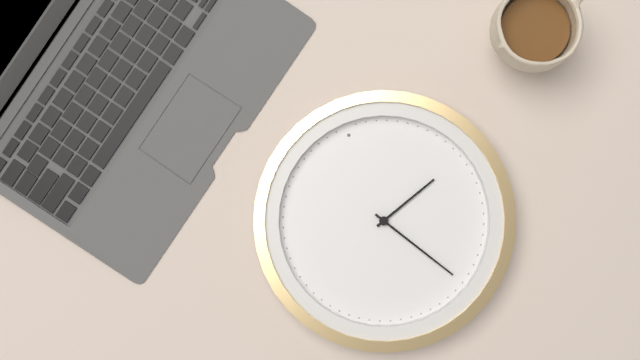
2:25
